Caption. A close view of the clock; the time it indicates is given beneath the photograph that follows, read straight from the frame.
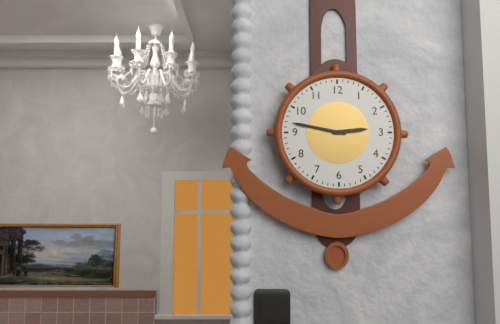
2:47
